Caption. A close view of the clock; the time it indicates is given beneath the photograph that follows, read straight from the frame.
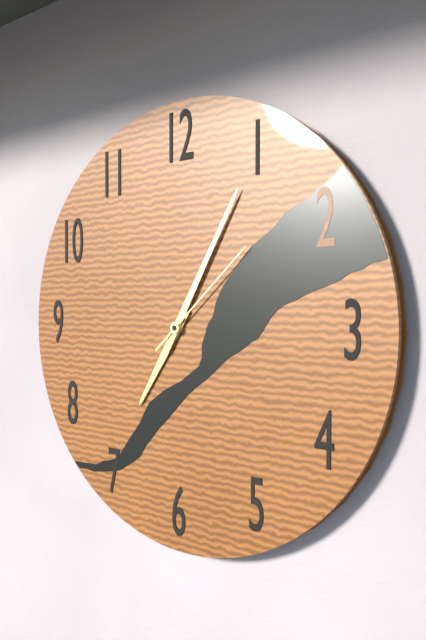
7:05:08
